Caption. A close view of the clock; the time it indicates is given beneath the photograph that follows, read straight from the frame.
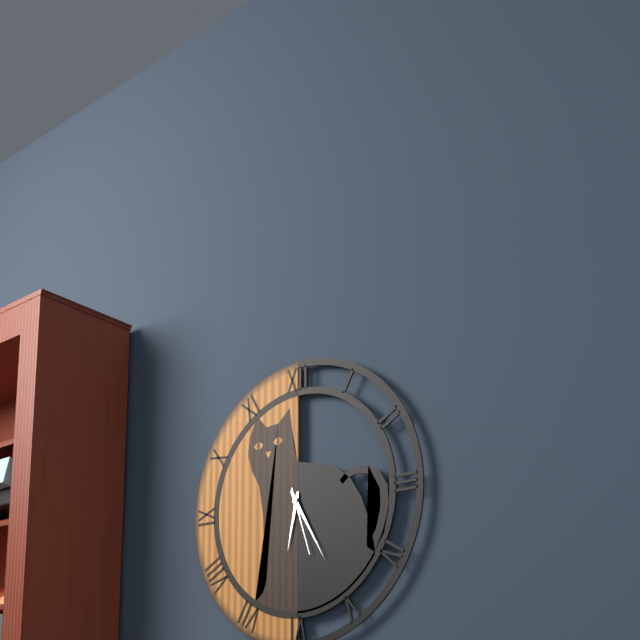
6:25:27
